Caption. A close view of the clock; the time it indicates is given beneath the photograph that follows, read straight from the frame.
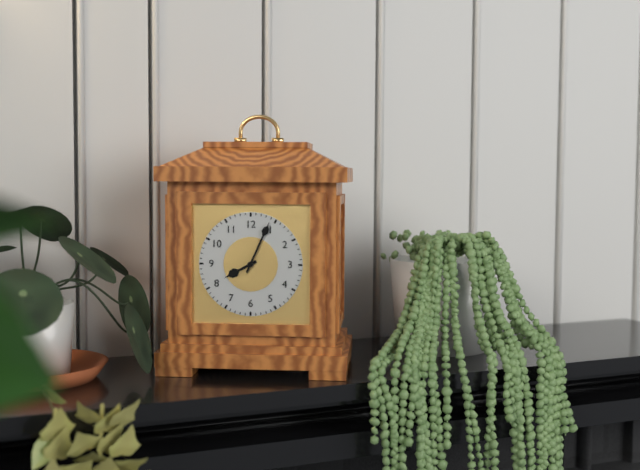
8:04
